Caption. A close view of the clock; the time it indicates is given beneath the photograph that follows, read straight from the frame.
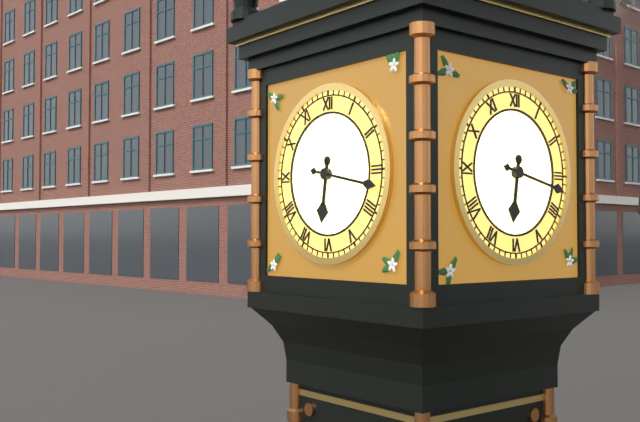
6:17
